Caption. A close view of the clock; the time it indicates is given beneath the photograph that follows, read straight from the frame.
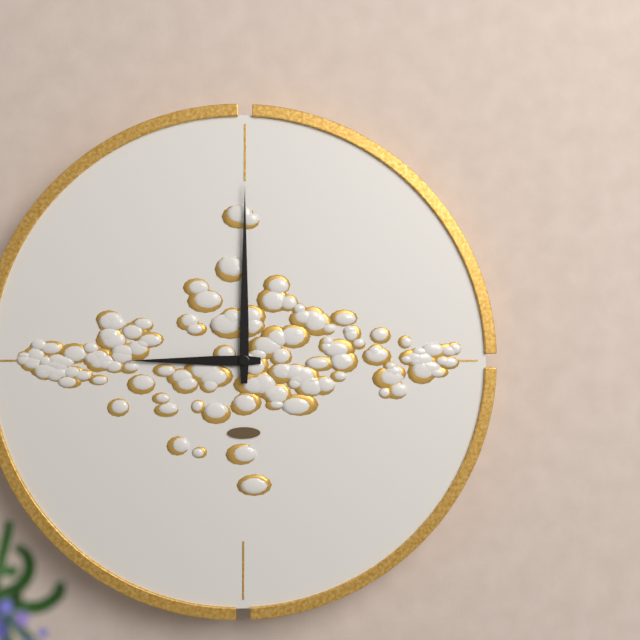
9:00
